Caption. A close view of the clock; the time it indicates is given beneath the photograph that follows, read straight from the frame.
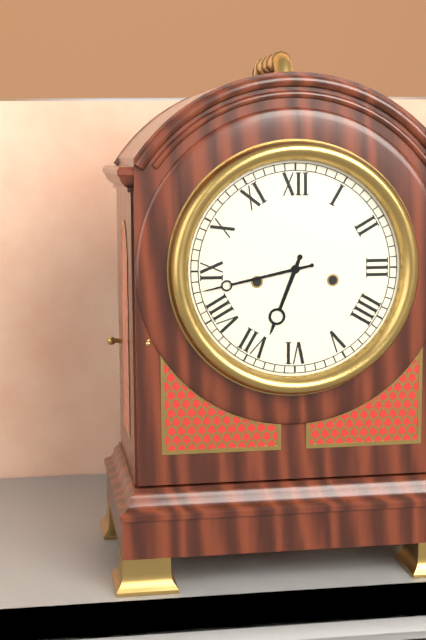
6:43
